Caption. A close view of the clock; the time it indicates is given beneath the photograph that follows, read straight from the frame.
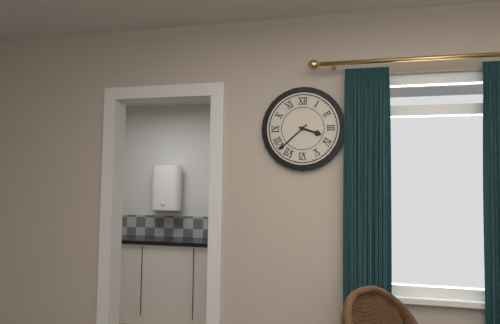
3:38
